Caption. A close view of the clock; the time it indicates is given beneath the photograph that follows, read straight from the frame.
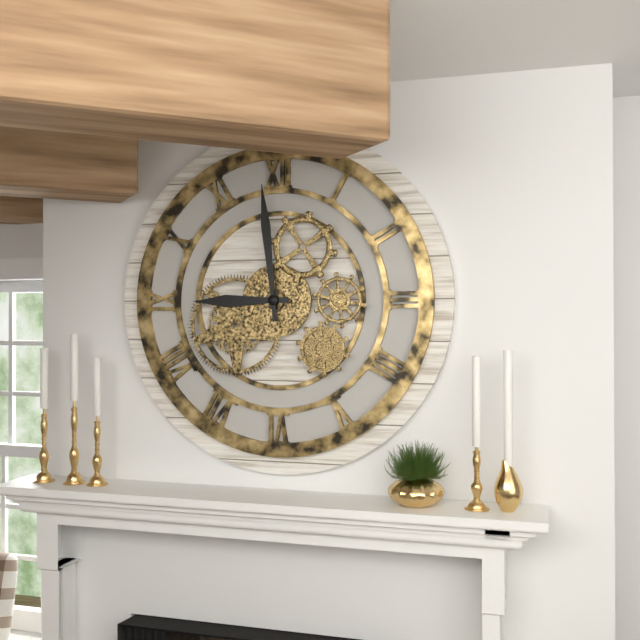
8:59
